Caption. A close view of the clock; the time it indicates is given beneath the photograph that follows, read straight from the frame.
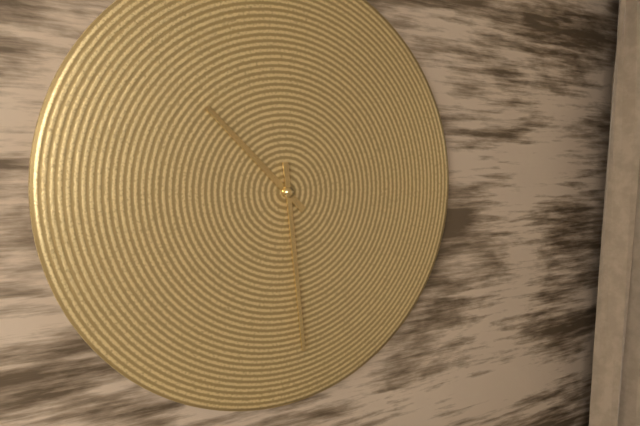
10:29
